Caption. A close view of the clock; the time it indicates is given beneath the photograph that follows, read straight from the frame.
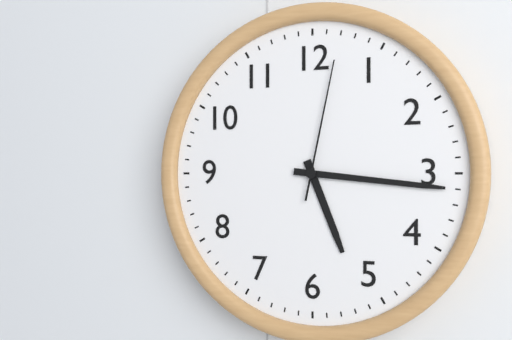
5:16:02
